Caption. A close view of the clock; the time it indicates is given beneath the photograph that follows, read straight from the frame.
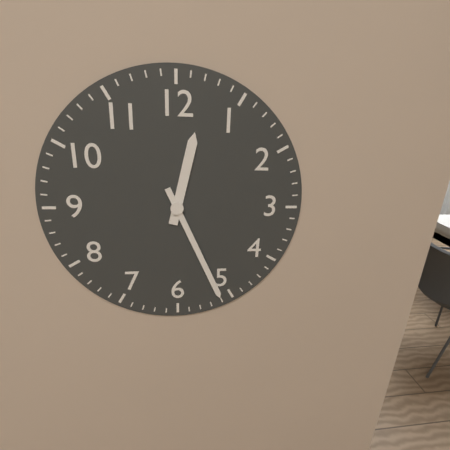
12:26
